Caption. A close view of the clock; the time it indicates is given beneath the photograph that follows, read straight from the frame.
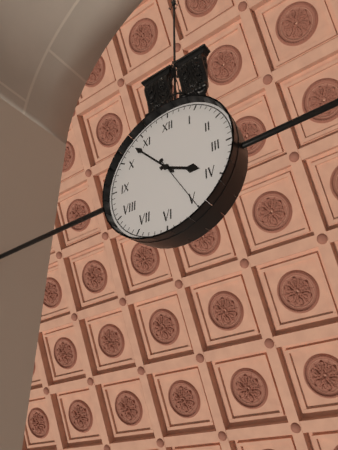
3:53:25
